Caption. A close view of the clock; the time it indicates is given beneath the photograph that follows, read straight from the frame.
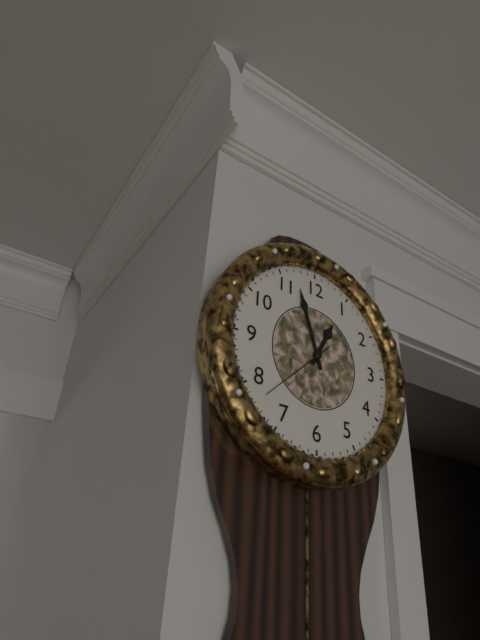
12:57:38
